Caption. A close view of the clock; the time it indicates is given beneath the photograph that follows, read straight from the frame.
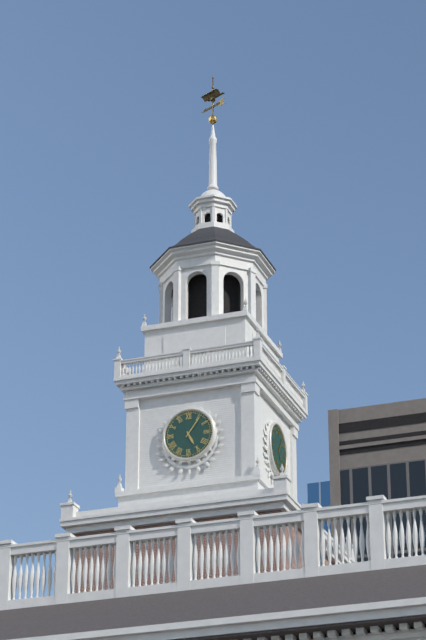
5:06
